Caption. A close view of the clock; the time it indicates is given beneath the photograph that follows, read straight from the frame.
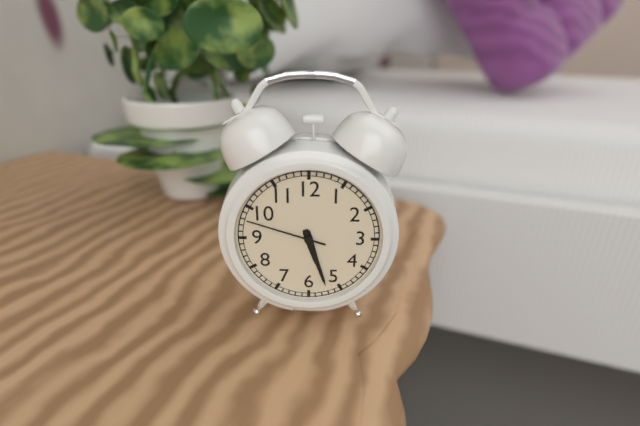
5:27:48
